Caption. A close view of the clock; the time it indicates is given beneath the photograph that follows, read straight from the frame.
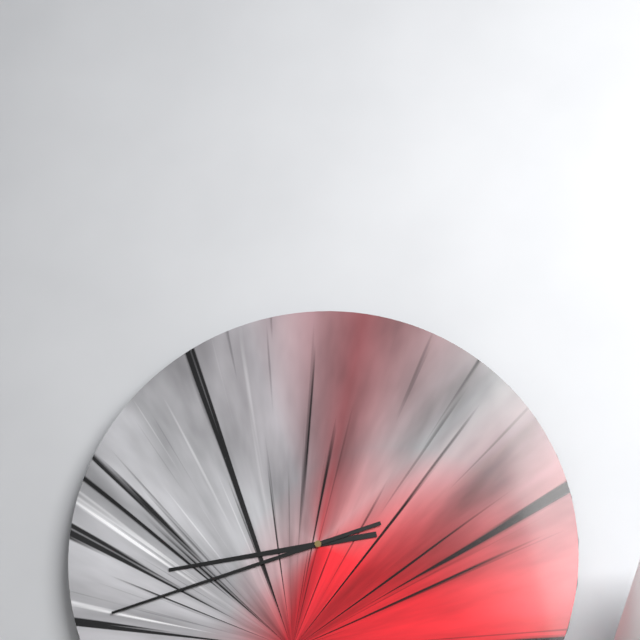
8:42
